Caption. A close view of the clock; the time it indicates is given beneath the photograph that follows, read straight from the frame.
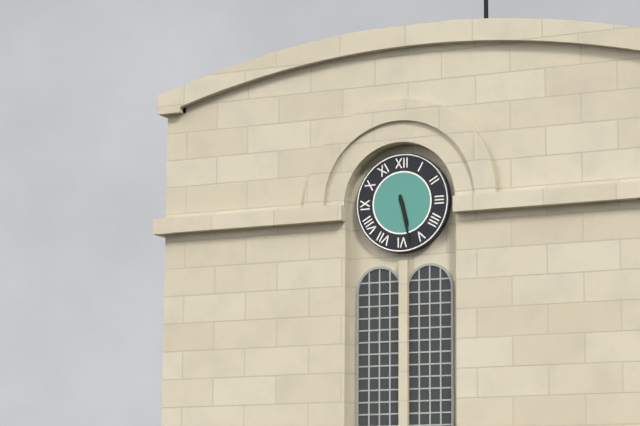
5:28
